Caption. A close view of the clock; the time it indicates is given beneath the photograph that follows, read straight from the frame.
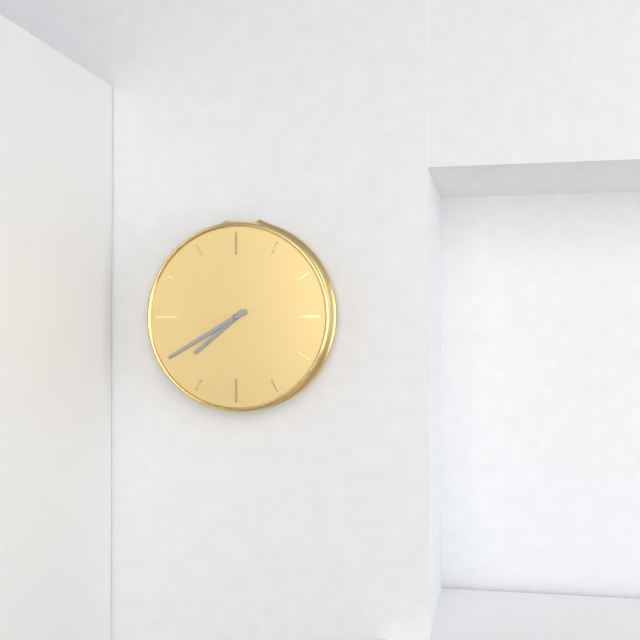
7:40
